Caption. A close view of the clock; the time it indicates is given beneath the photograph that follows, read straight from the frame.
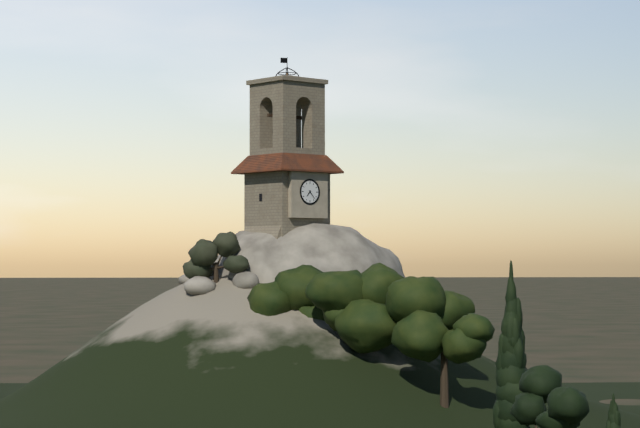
7:23
